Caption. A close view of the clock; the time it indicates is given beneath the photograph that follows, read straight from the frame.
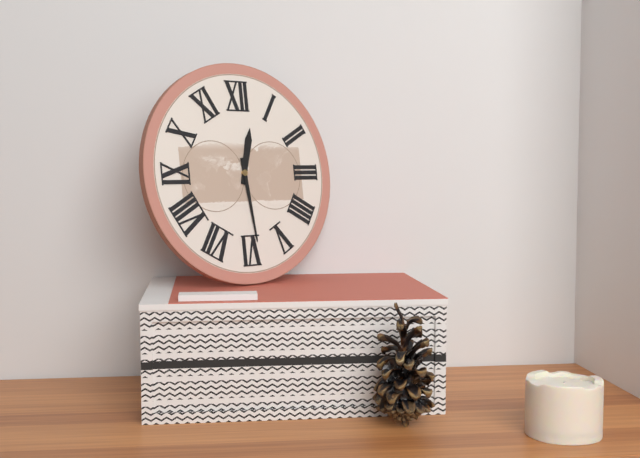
12:29
